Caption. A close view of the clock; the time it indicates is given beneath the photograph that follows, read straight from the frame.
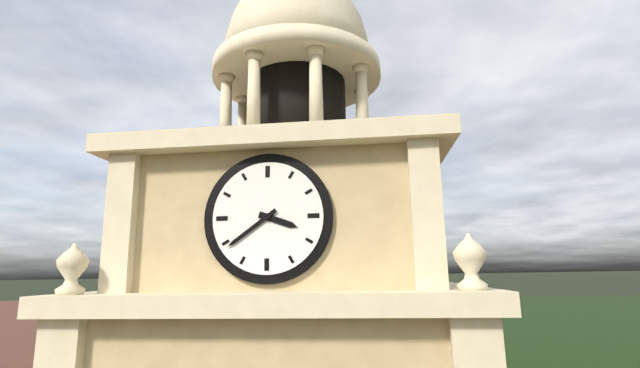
3:39
